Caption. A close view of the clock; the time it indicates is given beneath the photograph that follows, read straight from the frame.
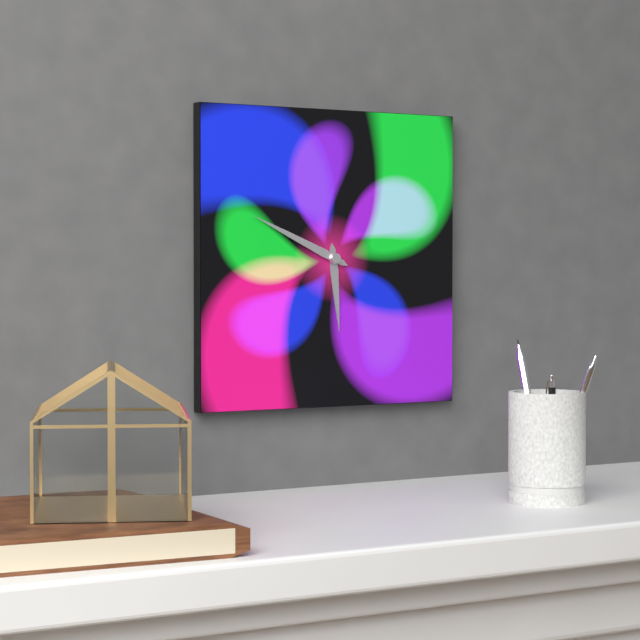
5:49
